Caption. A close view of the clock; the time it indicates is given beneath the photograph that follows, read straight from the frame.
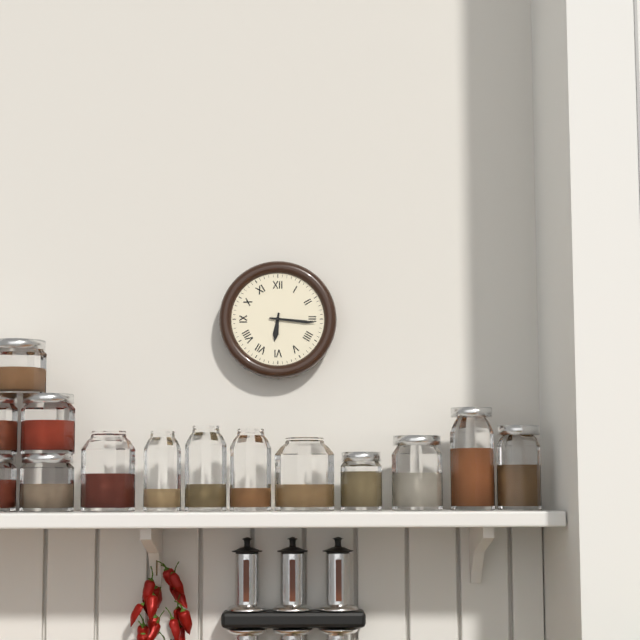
6:16
